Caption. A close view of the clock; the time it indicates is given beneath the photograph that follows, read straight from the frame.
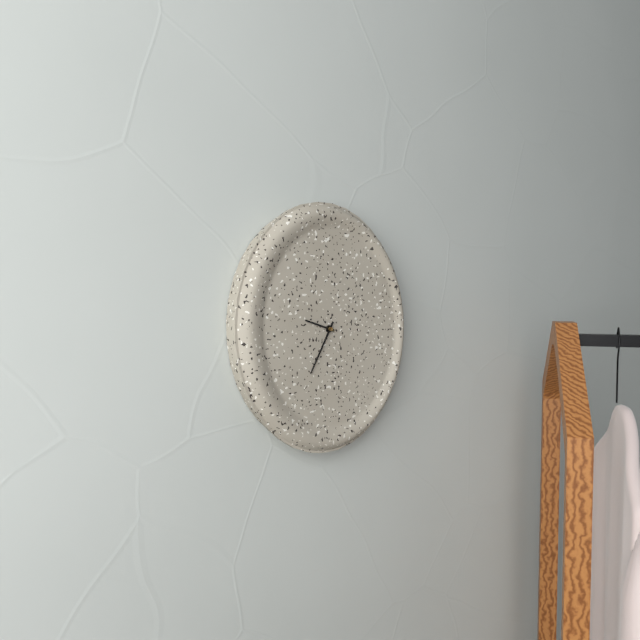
9:35
